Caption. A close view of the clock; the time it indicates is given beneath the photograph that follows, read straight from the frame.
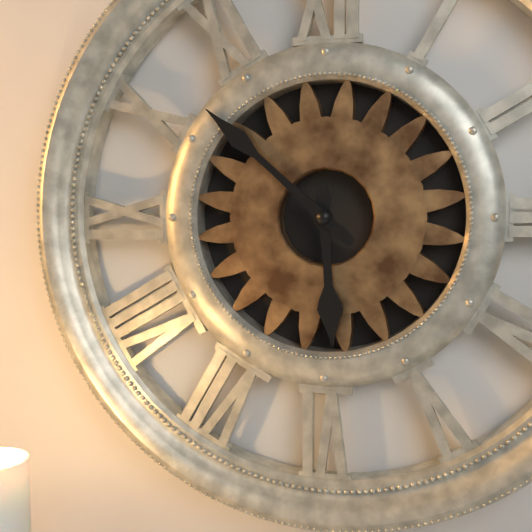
5:52
